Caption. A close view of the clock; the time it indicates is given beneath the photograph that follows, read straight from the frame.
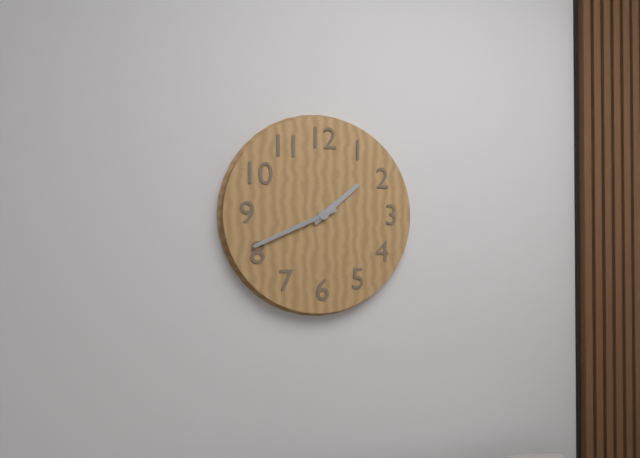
1:41
